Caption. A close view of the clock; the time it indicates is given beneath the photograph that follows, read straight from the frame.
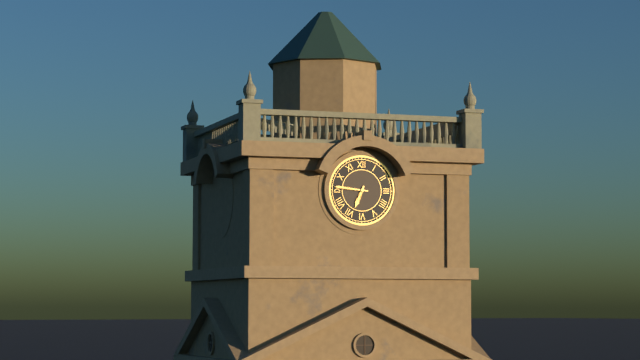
6:46
